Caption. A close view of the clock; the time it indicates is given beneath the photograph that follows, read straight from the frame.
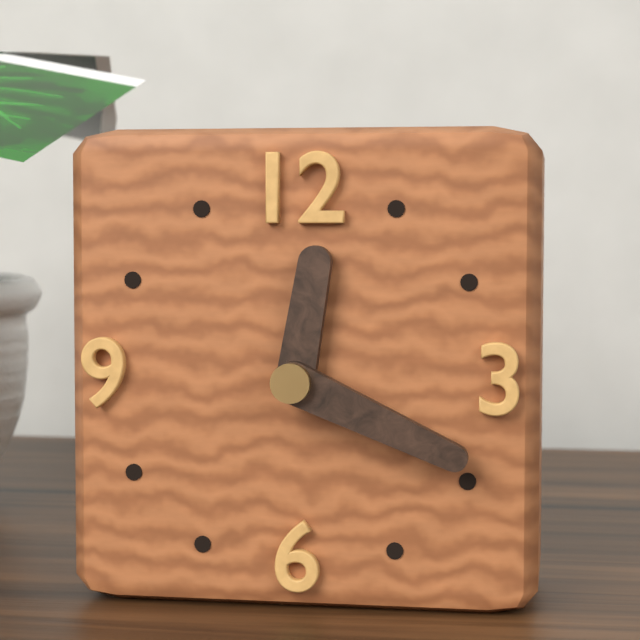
12:19
